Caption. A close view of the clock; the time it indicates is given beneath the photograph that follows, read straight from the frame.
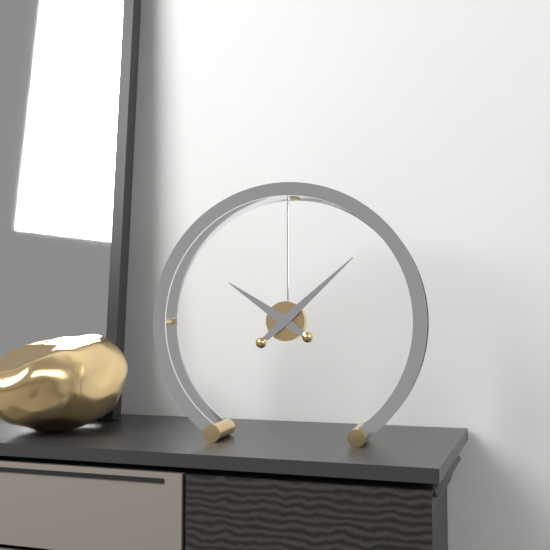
10:08
